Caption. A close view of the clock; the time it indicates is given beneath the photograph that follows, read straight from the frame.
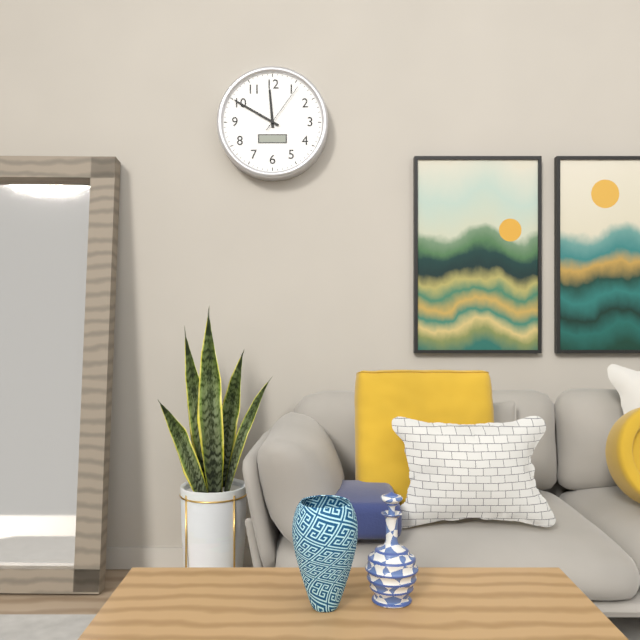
11:50:06
